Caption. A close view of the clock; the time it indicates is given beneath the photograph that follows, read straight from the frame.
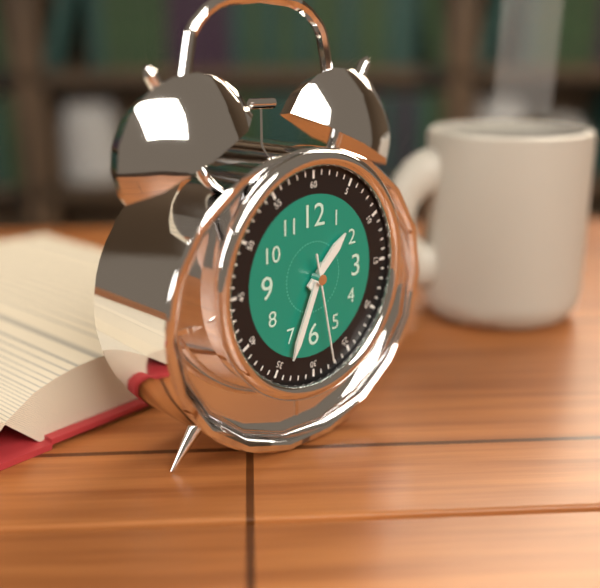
1:34:28
